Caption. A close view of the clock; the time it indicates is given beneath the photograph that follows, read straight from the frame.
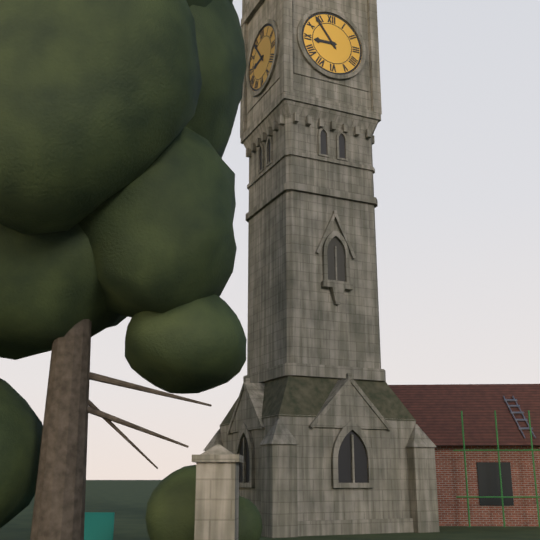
8:54
